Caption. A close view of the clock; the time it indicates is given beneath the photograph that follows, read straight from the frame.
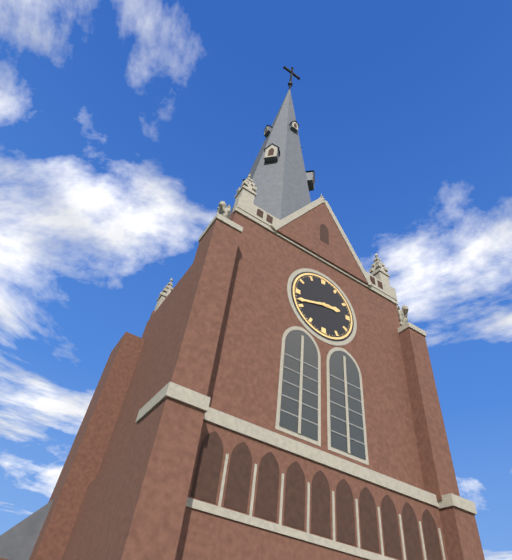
2:42
